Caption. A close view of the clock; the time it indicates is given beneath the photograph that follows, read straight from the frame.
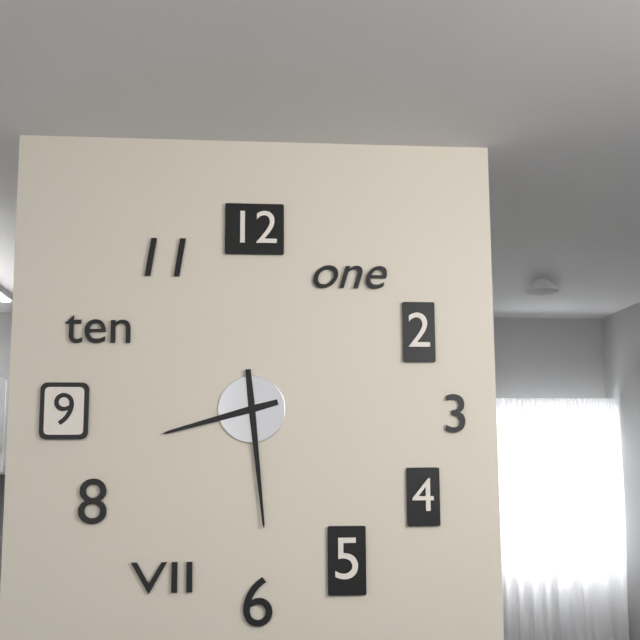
8:29
